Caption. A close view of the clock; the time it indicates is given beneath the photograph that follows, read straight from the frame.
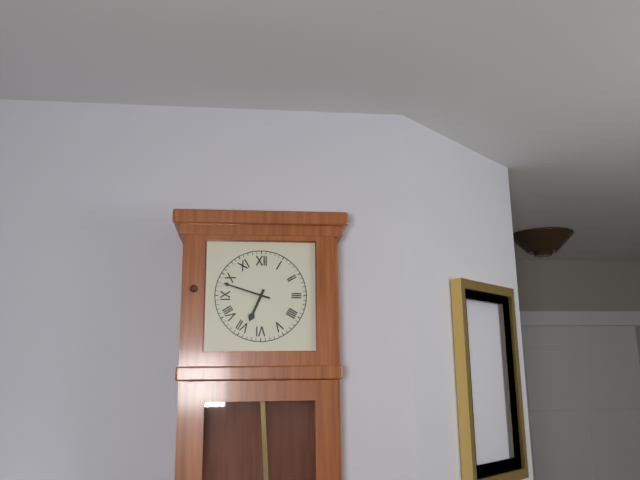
6:48
